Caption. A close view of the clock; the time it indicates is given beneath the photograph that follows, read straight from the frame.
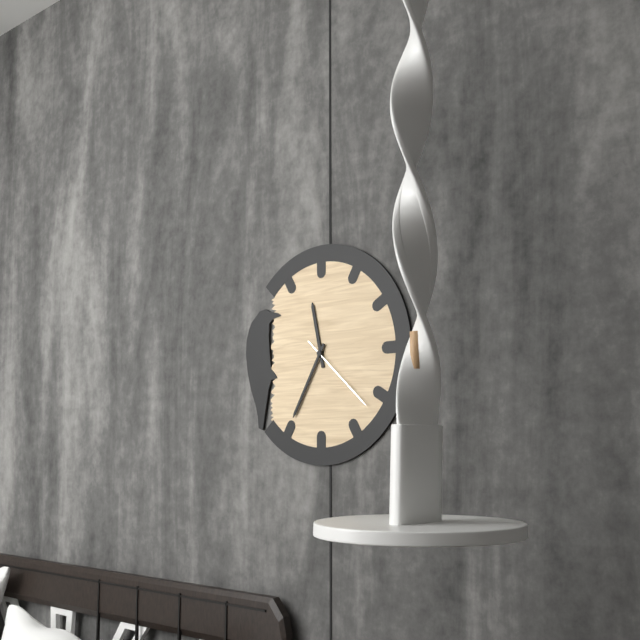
11:35:22
